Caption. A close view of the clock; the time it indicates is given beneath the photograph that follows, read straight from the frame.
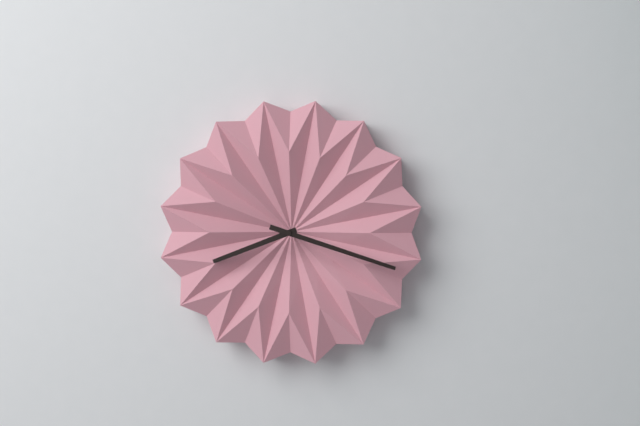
8:18
